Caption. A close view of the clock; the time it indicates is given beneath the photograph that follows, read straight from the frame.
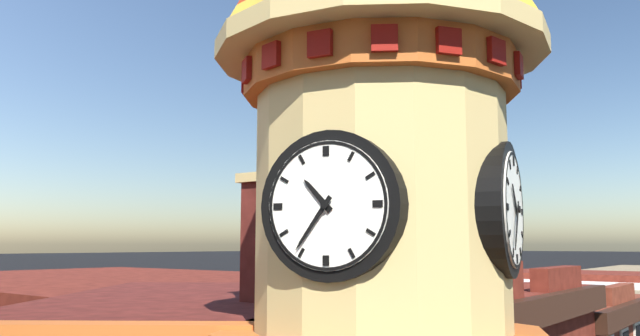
10:36
